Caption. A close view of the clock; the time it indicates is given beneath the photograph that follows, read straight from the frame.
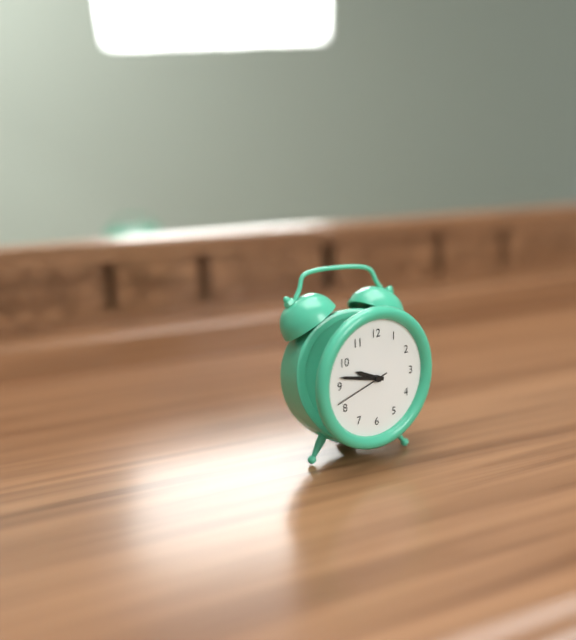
9:47:42
